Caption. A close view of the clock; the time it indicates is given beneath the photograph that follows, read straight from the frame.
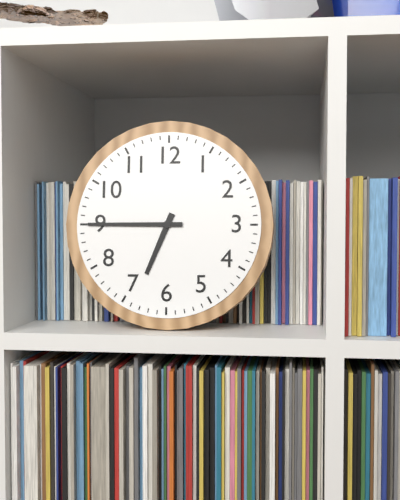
6:45
